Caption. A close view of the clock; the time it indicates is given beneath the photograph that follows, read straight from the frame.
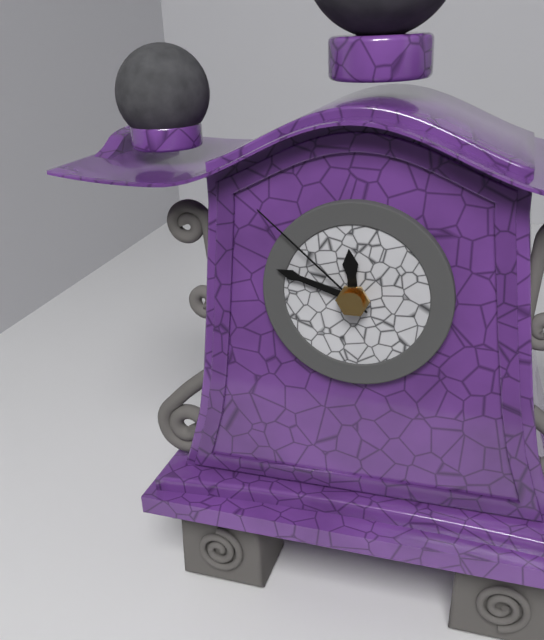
11:48:52
